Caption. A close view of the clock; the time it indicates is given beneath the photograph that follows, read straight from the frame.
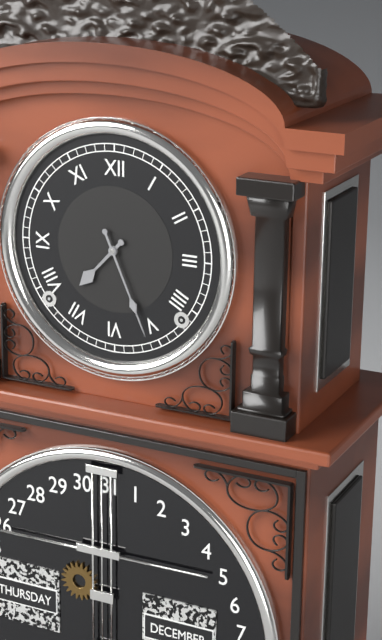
7:26
